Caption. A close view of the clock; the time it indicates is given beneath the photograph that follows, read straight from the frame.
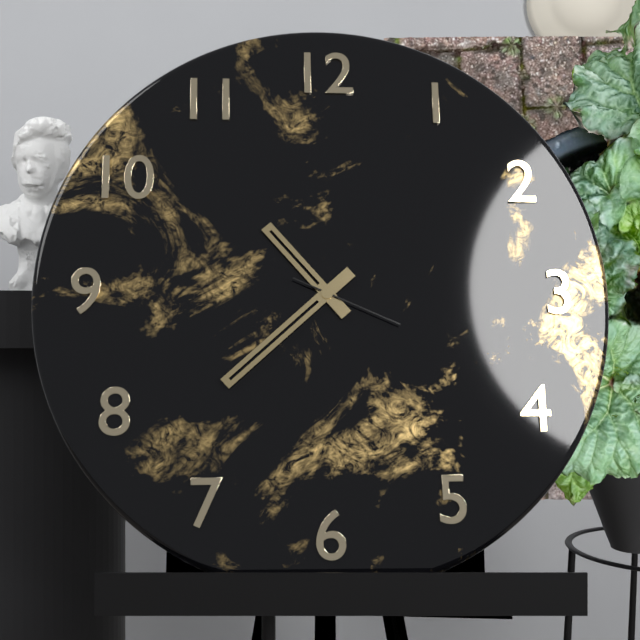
10:38:19
